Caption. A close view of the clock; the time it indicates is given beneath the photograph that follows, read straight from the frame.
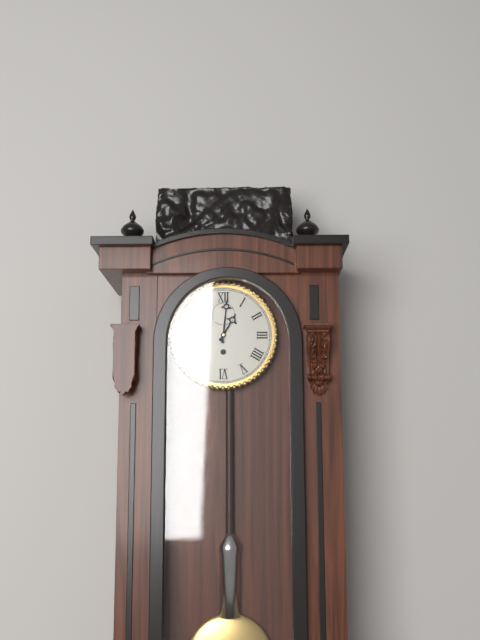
1:01
